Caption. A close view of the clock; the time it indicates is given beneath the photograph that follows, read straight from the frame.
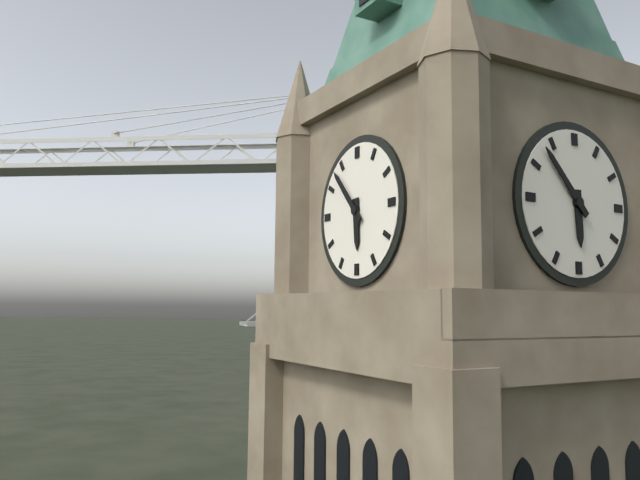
5:53
